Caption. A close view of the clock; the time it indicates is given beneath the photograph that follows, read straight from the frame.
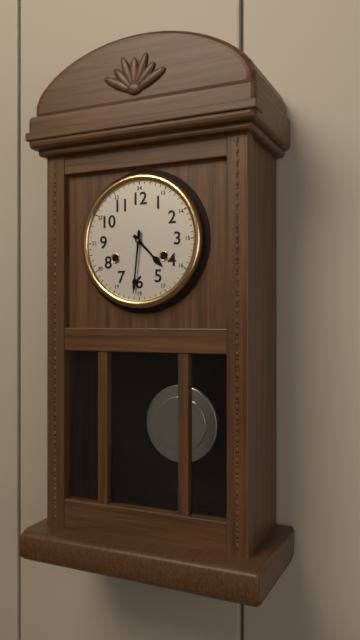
4:31
